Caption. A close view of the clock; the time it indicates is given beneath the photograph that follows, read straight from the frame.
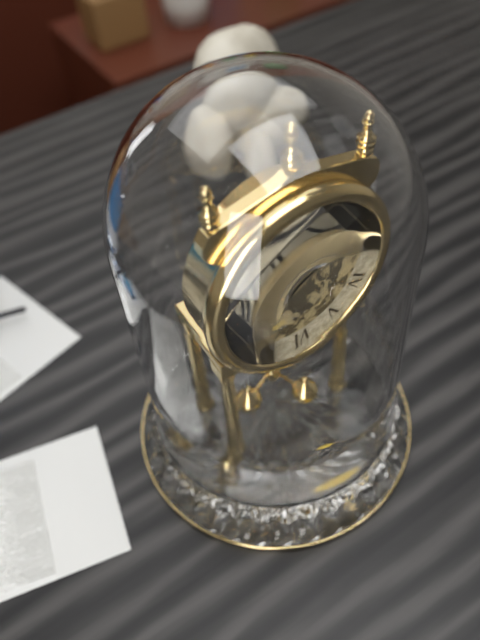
8:46
